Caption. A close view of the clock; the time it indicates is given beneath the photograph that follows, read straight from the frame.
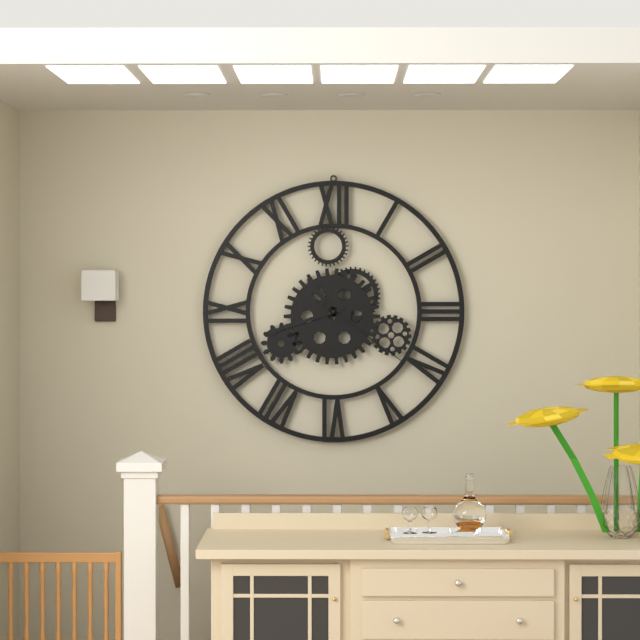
10:42:21
